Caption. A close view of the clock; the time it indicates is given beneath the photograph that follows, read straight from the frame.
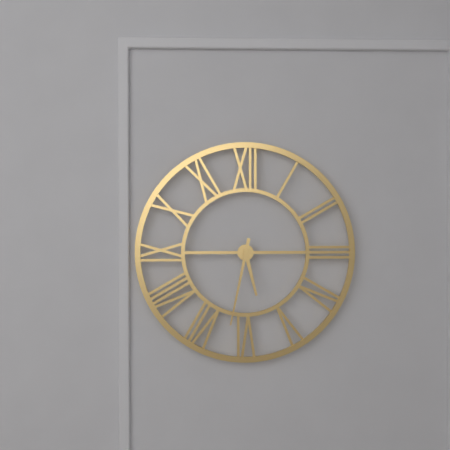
5:32
